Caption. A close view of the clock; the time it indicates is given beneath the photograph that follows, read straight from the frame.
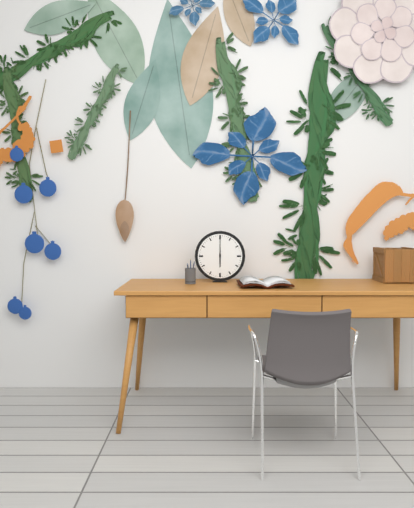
6:00
